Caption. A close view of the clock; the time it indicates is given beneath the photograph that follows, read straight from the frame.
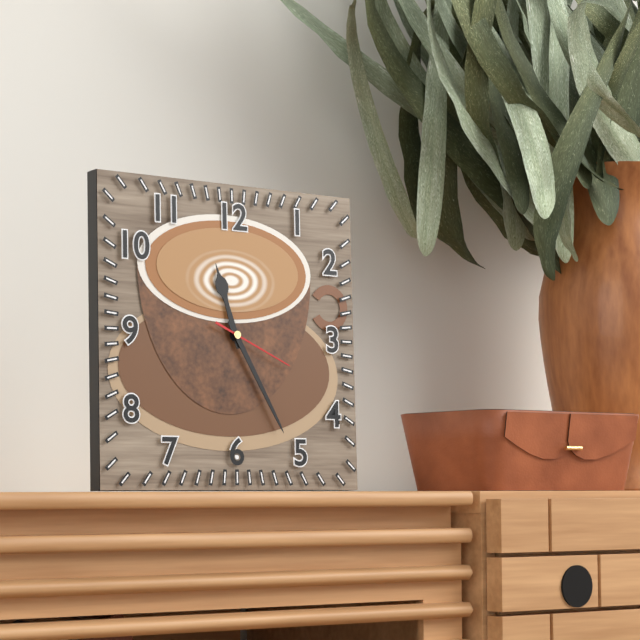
11:25:19
